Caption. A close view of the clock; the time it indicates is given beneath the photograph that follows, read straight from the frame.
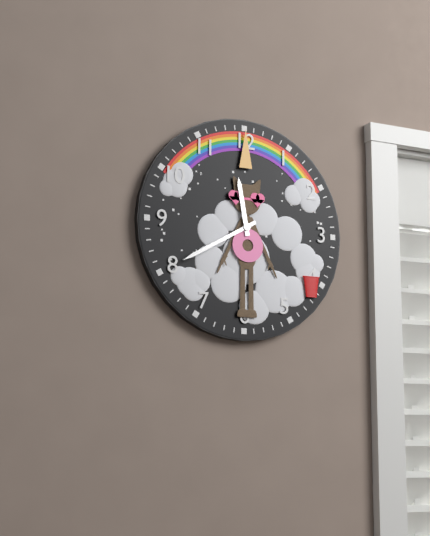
11:40
